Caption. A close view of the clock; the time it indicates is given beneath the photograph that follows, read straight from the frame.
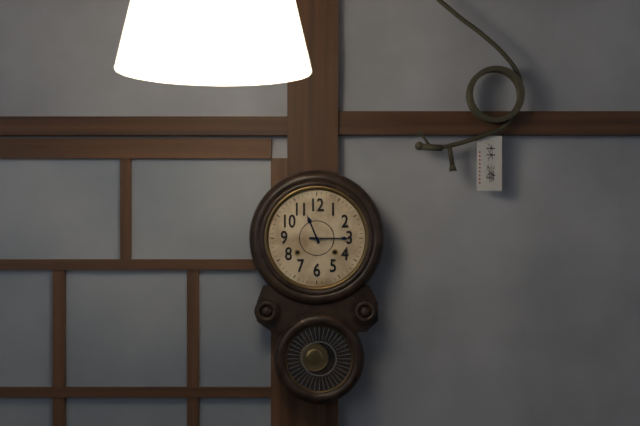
11:15
